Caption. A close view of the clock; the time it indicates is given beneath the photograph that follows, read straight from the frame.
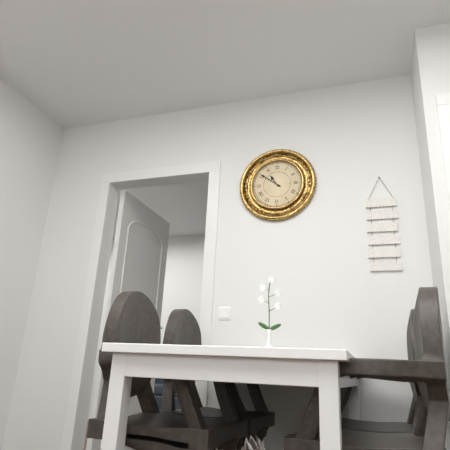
10:51
